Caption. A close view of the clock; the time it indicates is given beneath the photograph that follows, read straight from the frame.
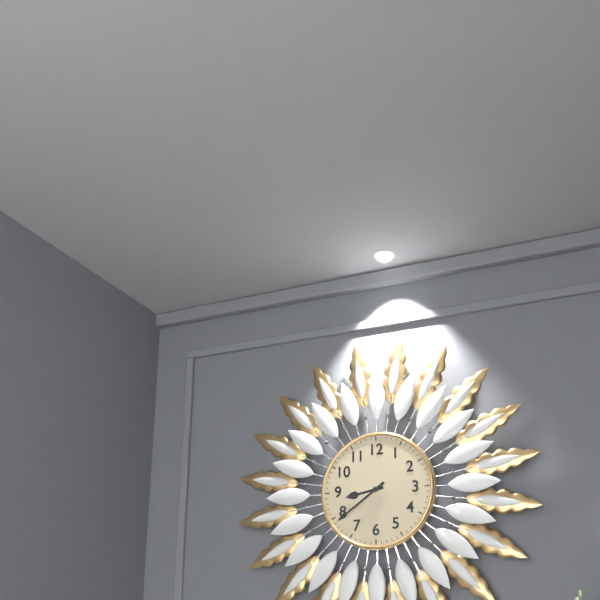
8:39
